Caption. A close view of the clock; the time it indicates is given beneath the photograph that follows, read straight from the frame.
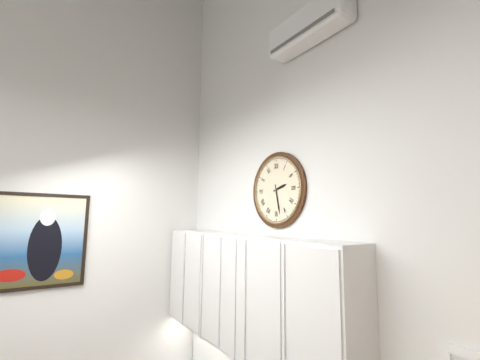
2:28
